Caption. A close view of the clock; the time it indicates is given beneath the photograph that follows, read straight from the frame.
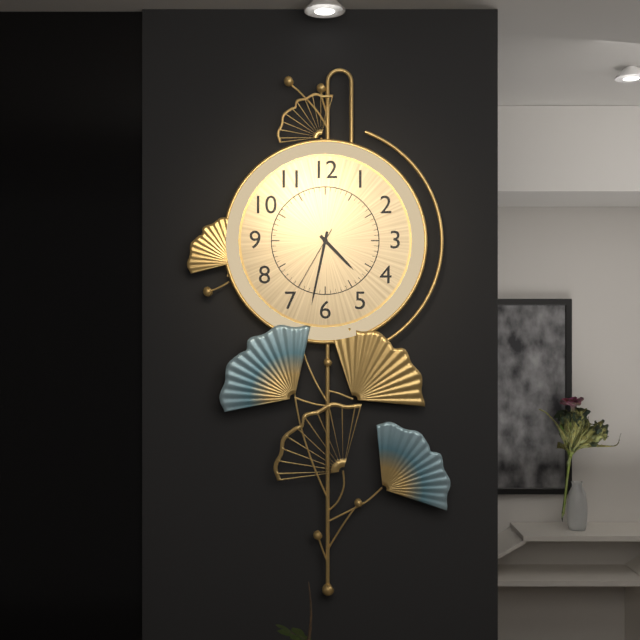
4:32:35
